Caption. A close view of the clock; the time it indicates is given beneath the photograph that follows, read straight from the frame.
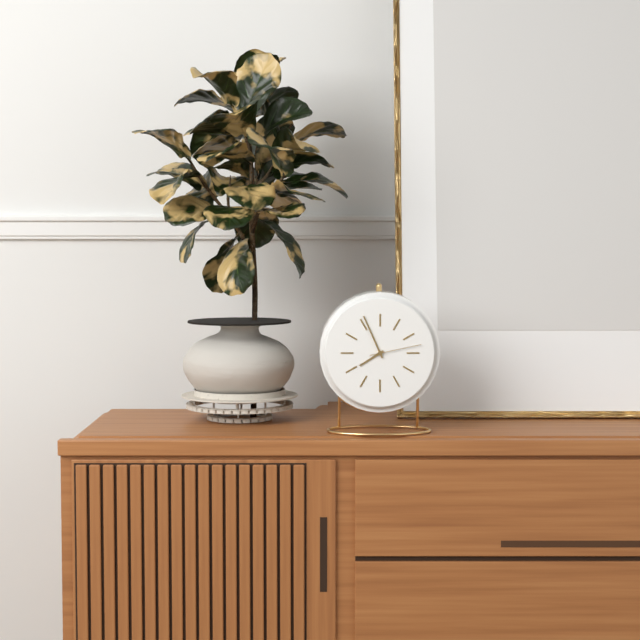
7:56:13
